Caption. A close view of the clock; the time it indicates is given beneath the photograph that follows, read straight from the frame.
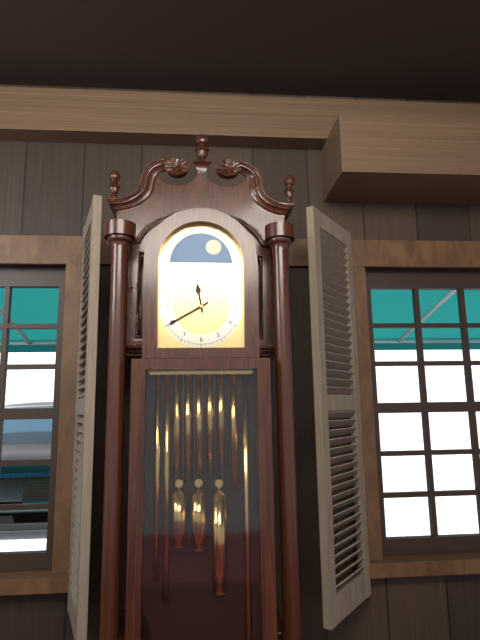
11:40
